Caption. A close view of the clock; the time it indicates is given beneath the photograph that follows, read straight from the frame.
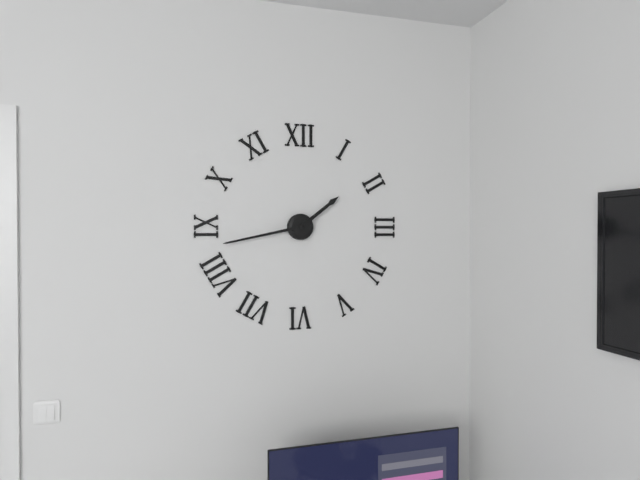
1:43
